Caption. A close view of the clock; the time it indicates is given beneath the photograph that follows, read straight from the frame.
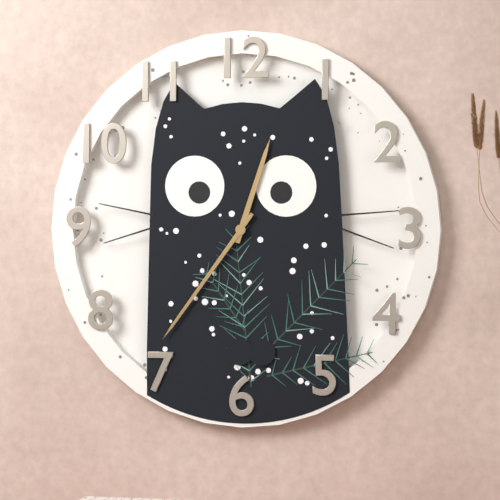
12:36
